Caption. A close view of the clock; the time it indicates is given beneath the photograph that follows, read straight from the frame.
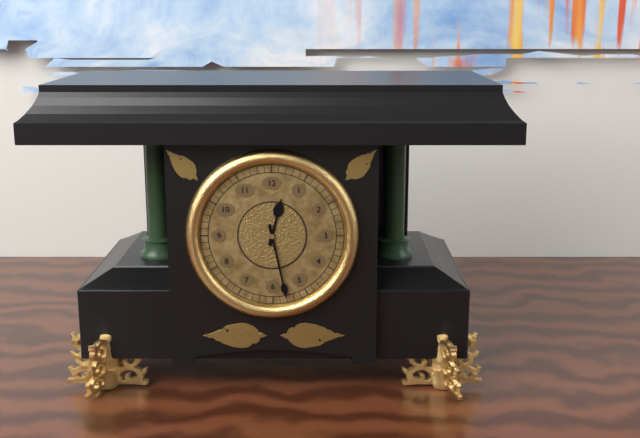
12:28
